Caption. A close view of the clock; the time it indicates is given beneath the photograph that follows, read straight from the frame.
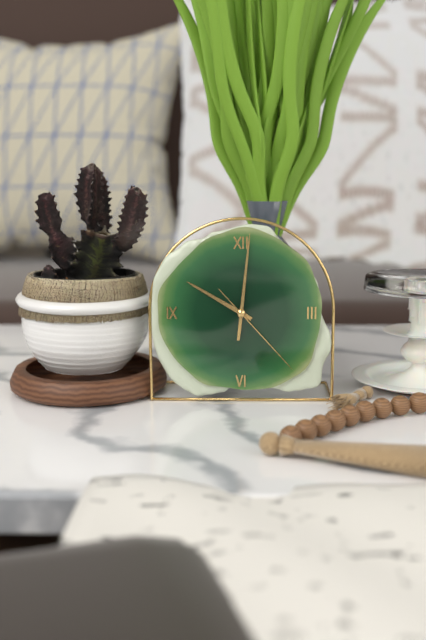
10:01:23
